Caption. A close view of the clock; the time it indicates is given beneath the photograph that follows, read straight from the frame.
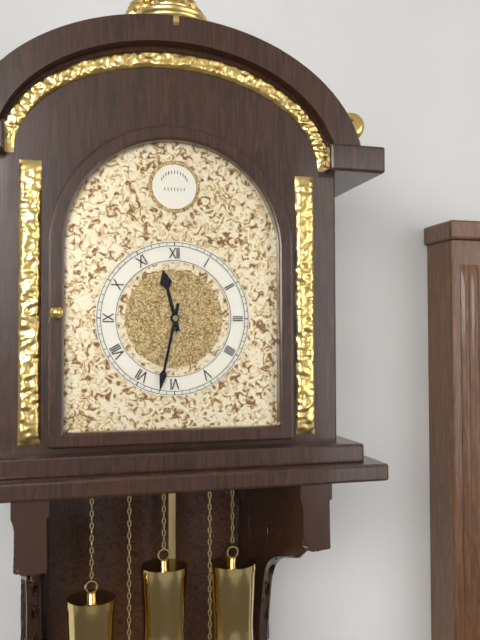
11:32
